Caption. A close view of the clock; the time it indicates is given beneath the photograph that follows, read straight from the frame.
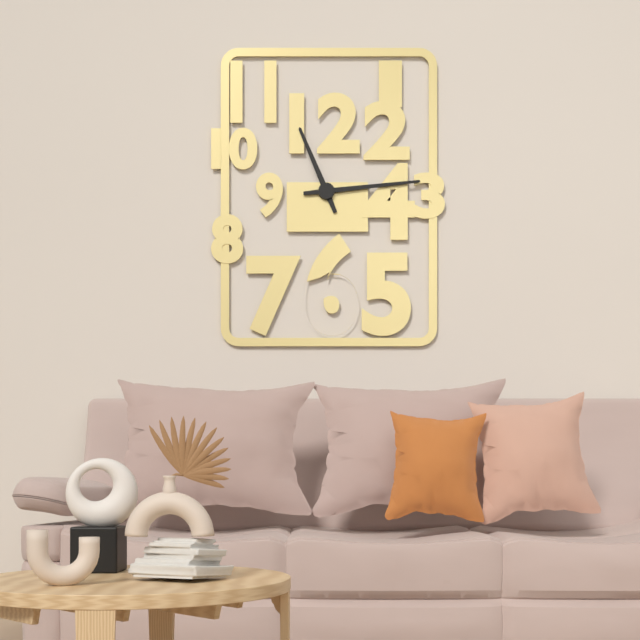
11:14
